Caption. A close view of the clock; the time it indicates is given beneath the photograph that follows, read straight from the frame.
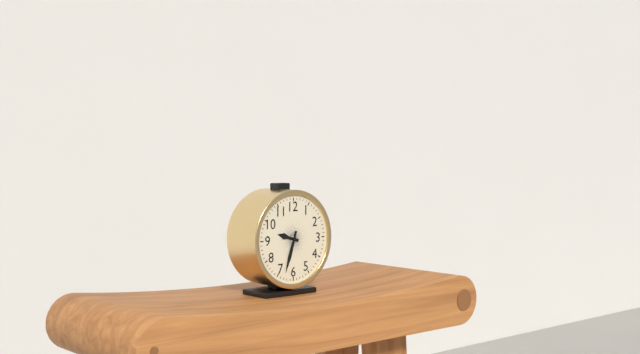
9:33
